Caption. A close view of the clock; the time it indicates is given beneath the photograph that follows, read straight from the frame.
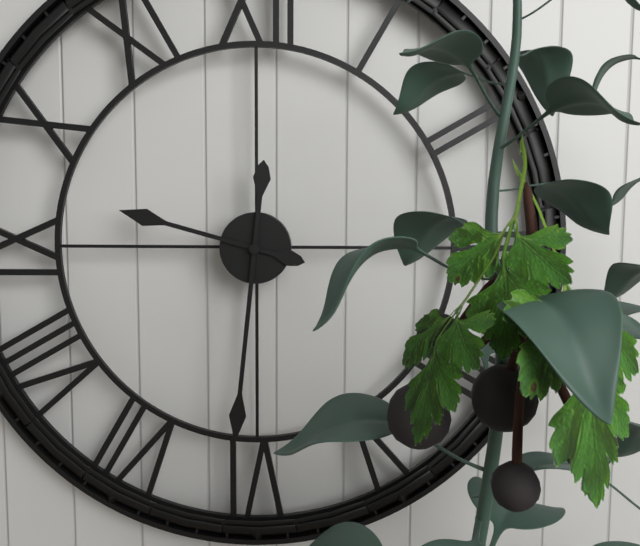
9:31
